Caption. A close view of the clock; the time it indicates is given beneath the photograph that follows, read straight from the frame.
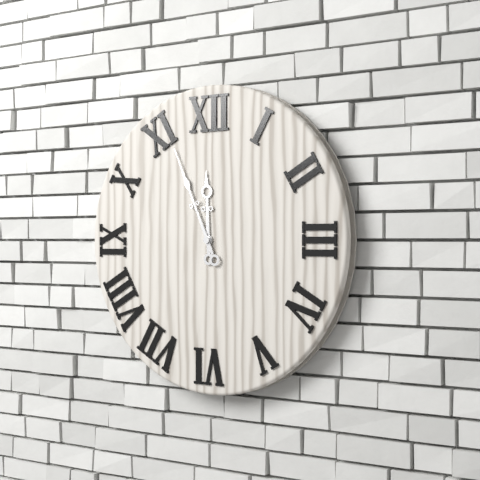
11:56
